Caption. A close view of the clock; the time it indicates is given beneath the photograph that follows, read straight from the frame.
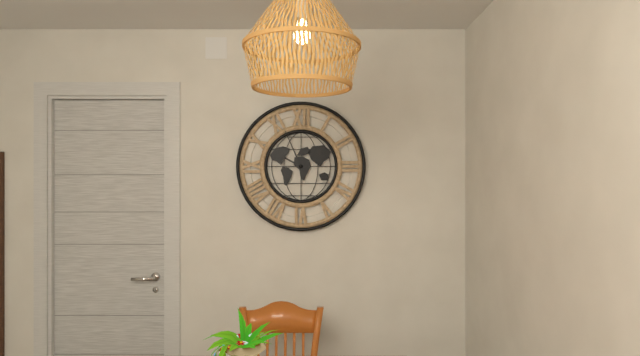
9:56
